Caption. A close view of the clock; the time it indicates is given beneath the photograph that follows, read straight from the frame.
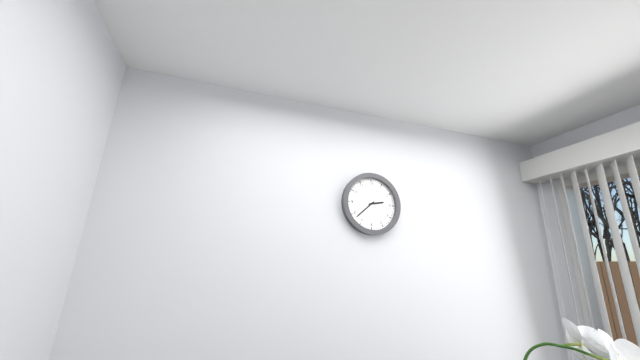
2:38
